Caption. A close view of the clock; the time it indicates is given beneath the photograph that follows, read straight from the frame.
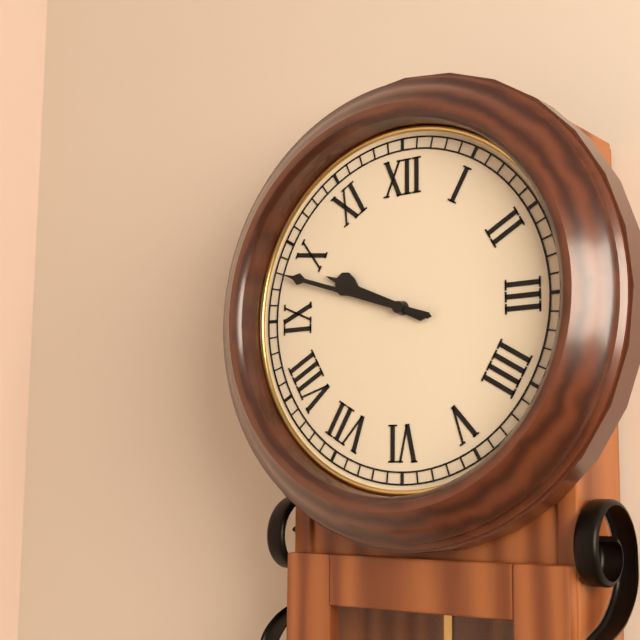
9:48
